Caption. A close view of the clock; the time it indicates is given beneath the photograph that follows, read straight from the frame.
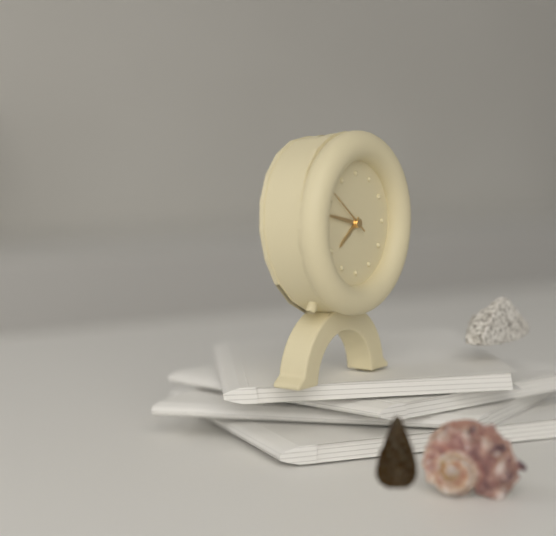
7:47
